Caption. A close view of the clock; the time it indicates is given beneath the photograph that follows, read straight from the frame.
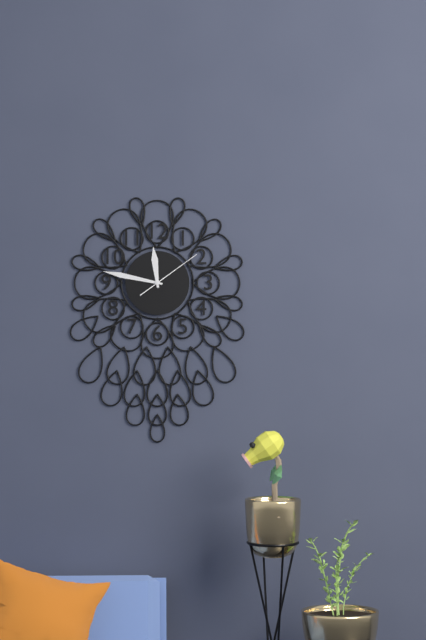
11:47:09
